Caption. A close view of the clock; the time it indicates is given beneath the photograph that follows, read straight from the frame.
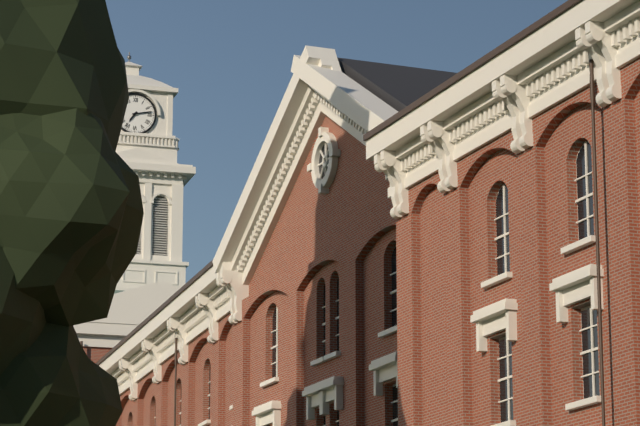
7:13
